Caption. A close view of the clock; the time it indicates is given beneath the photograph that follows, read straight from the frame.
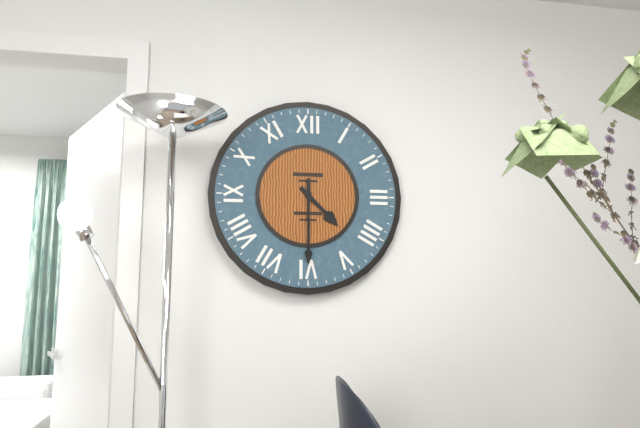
4:30
